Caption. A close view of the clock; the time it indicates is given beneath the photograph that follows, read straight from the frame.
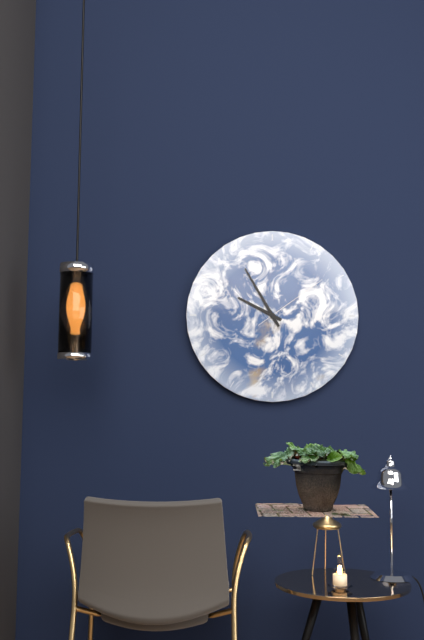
9:55:09
